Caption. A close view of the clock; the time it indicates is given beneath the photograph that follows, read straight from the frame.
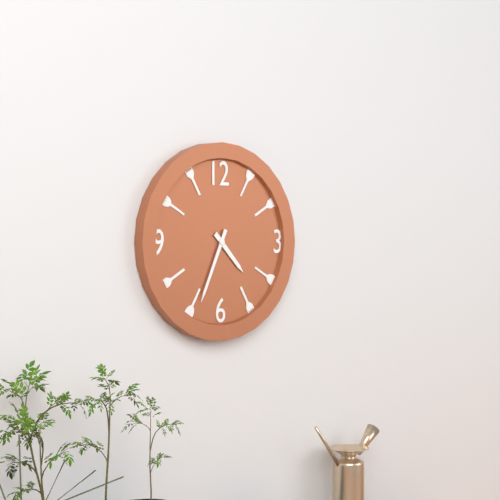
4:34
